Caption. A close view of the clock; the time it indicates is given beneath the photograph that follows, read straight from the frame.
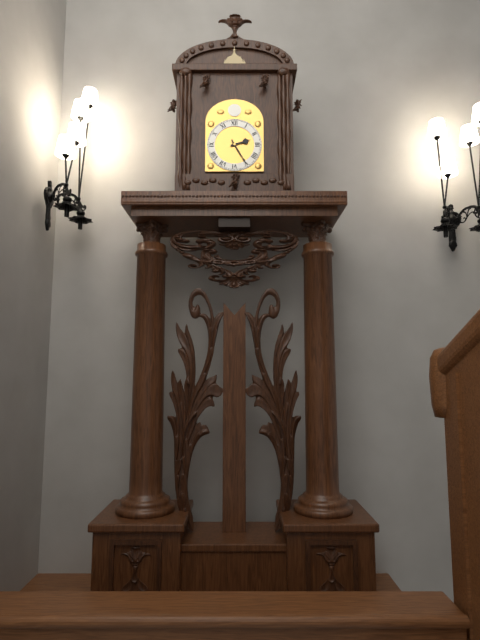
2:25
